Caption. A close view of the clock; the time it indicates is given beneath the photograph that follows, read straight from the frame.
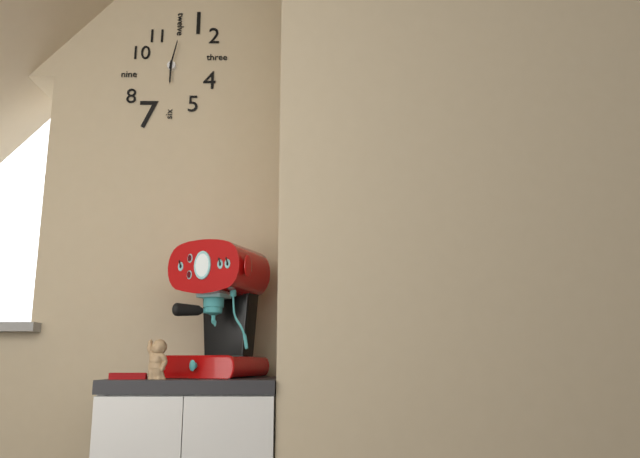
6:02
